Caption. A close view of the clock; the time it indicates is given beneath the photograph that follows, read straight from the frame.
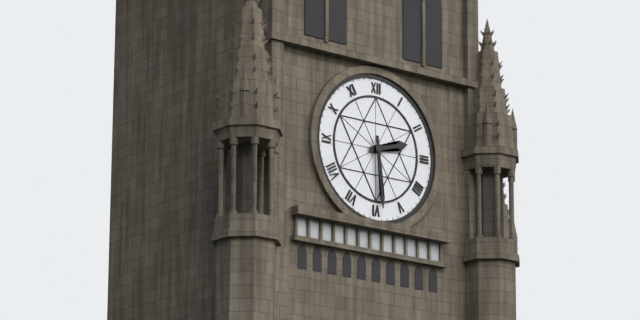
2:29
